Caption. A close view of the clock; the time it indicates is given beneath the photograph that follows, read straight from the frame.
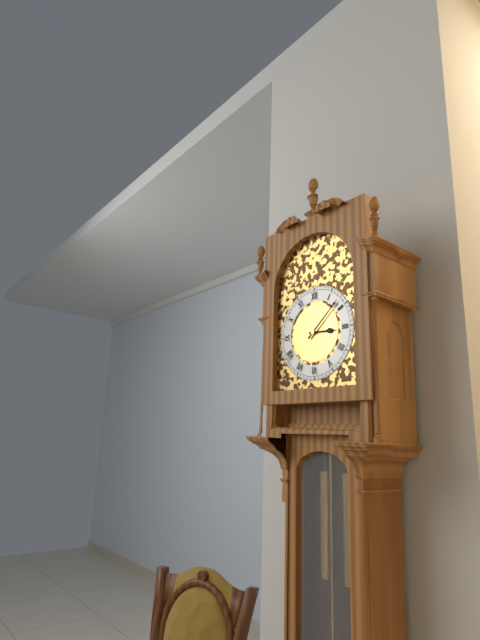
3:08
